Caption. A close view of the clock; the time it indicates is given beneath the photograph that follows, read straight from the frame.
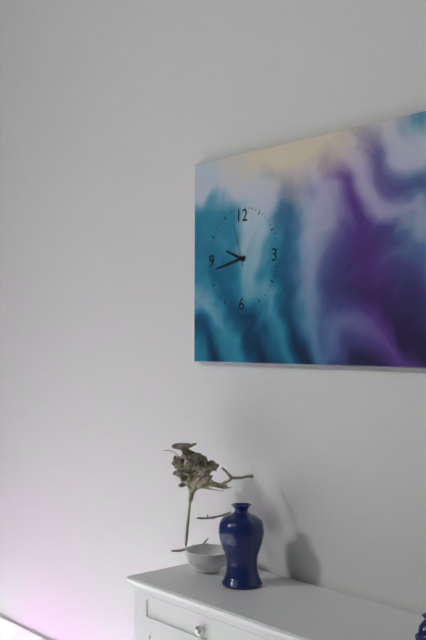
9:43
